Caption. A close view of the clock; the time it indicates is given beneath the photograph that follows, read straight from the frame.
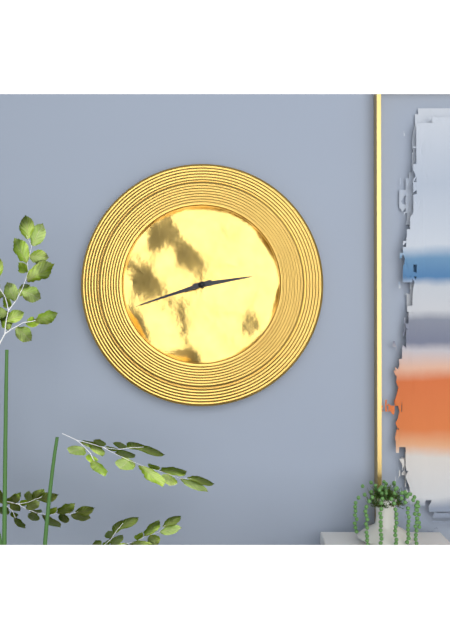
2:42
